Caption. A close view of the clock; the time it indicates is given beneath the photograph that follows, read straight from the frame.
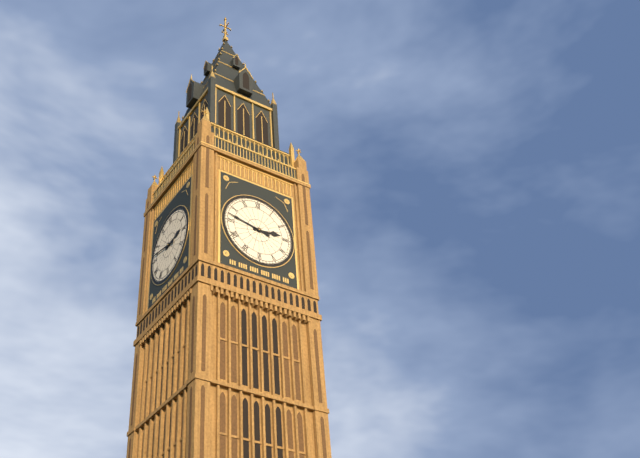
2:47
